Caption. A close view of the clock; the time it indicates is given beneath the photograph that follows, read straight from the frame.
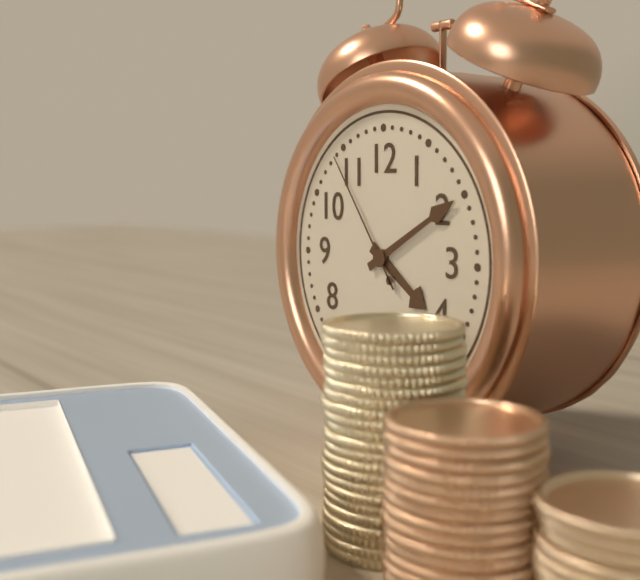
4:10:54
